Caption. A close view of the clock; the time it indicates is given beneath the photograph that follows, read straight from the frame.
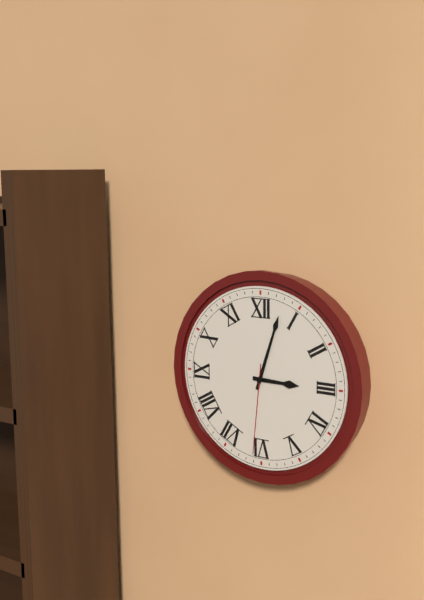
3:03:31
